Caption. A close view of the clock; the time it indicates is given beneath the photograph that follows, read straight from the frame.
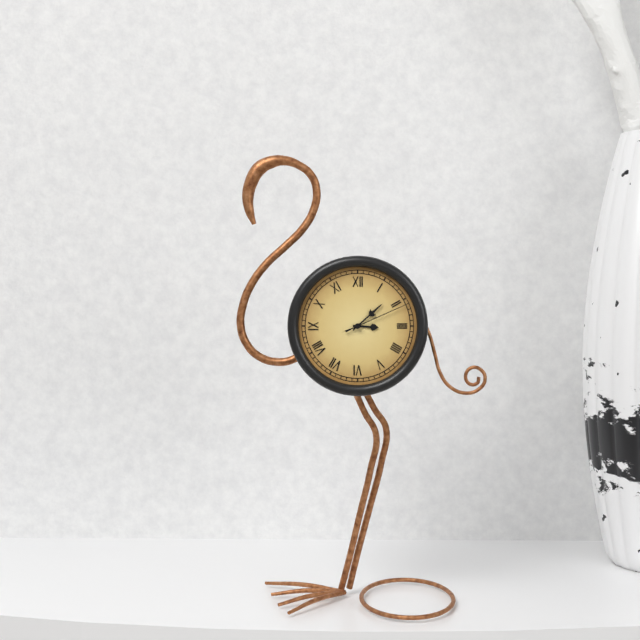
3:08:11
